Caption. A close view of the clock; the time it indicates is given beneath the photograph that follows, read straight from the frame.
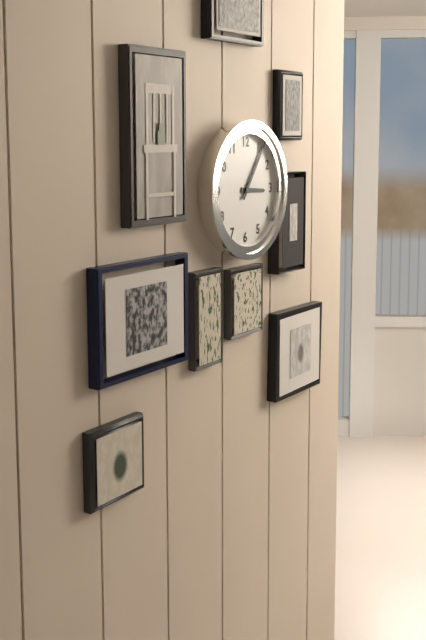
3:06
